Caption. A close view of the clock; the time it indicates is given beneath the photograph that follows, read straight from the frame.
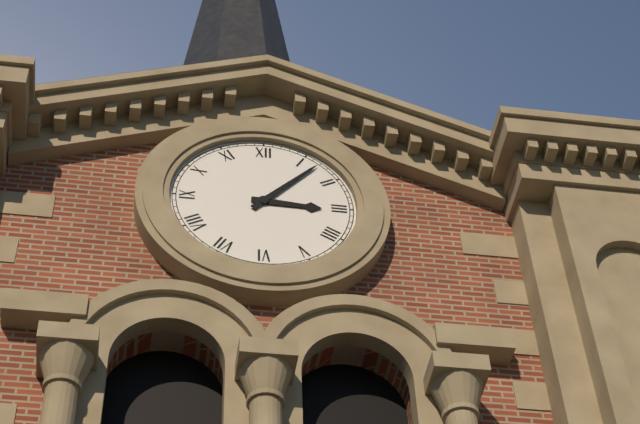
3:07
